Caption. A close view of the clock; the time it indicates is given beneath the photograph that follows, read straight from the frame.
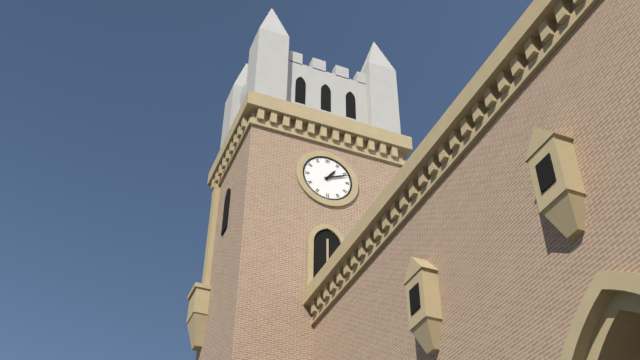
1:11
